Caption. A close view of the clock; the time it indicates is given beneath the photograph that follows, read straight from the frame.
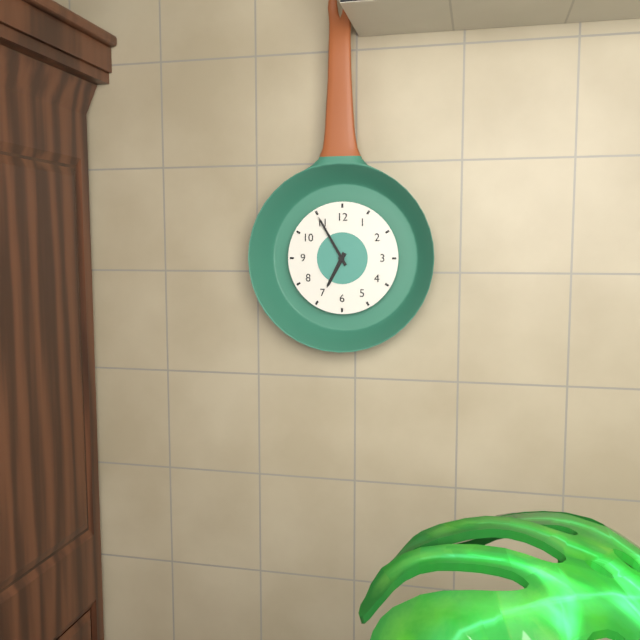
6:55
